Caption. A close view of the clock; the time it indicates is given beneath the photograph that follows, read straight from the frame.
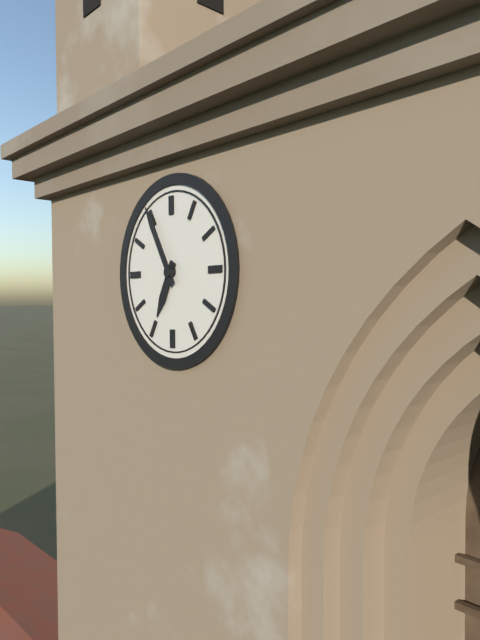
6:55
